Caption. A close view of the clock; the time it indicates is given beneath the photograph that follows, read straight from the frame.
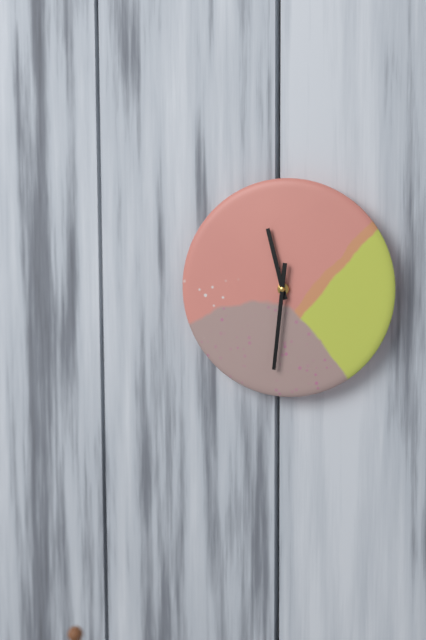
11:31
